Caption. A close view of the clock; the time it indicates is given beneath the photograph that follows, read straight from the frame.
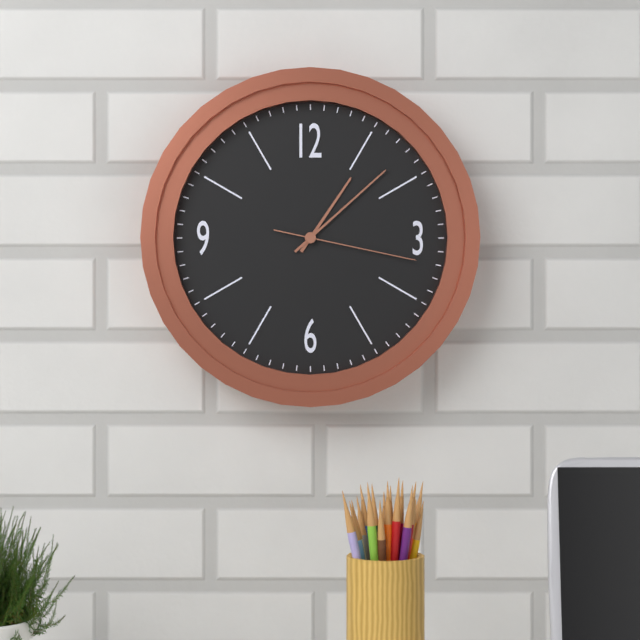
1:08:17
